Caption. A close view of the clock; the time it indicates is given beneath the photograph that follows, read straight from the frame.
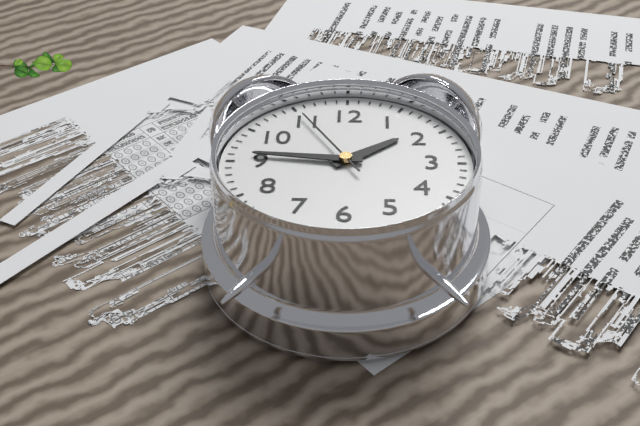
1:46:55
